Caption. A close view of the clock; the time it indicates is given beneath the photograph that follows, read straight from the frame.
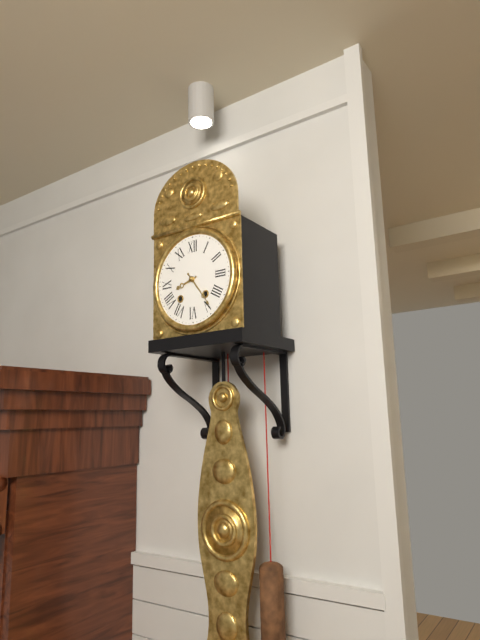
8:24
